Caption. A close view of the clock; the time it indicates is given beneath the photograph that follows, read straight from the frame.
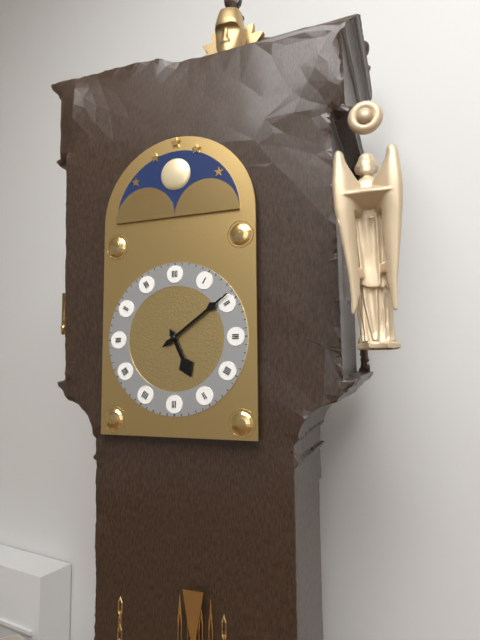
5:09
